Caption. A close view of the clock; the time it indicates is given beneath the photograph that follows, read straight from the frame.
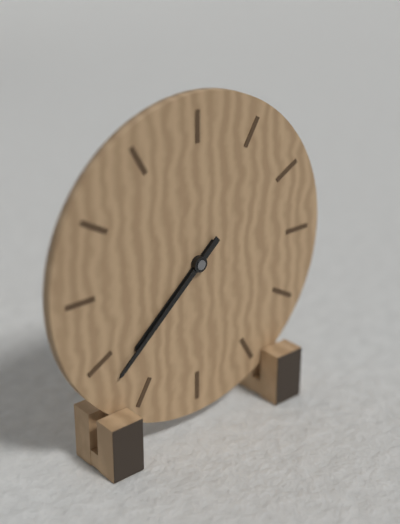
7:38
